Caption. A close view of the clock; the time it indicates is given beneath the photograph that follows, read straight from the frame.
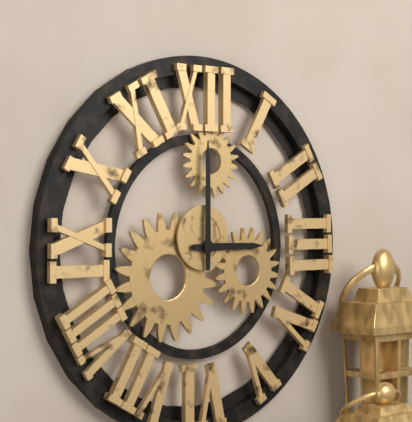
3:00
